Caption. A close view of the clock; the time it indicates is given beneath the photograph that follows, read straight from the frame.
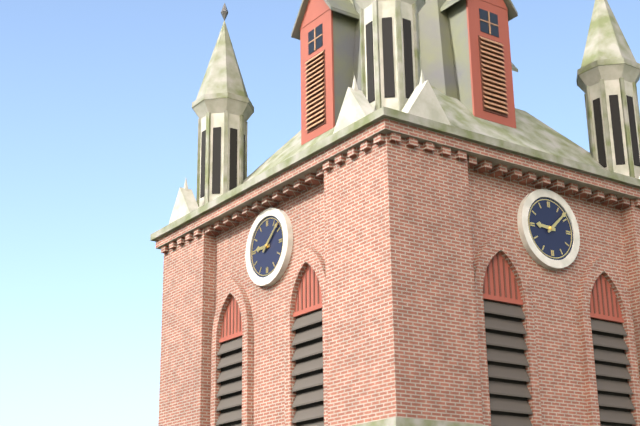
9:08
